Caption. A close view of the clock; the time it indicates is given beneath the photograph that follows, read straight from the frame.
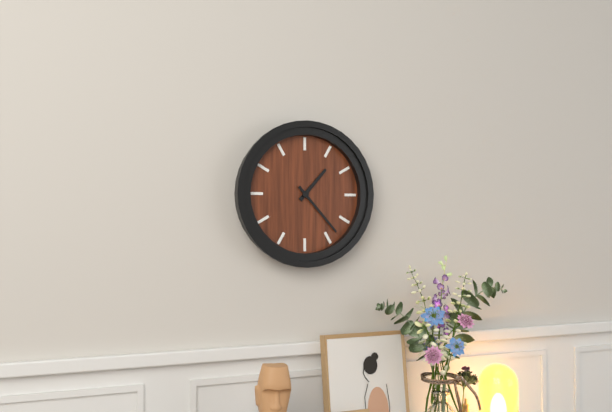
1:23
